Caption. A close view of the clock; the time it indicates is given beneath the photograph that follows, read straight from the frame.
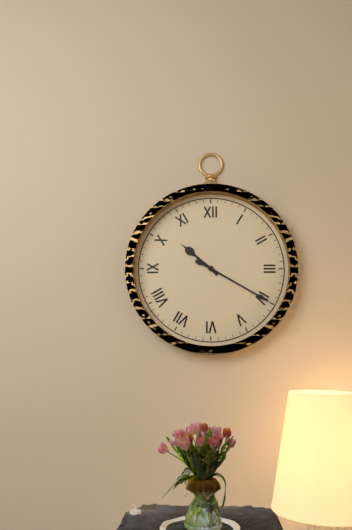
10:20
